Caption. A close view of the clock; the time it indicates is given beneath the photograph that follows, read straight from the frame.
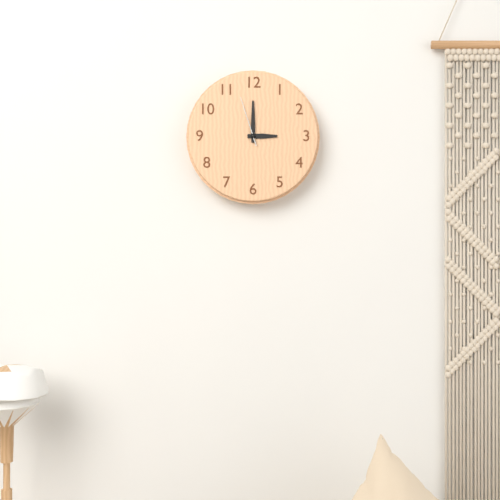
3:00:57
